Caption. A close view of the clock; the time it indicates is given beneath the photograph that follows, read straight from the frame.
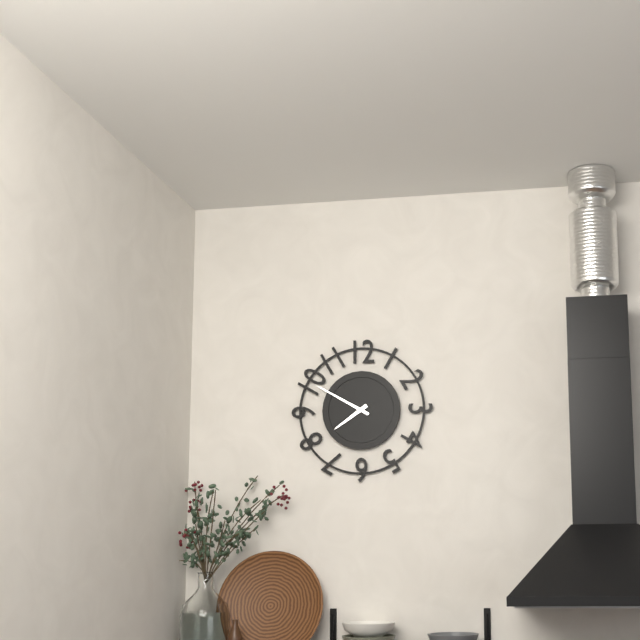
7:50
